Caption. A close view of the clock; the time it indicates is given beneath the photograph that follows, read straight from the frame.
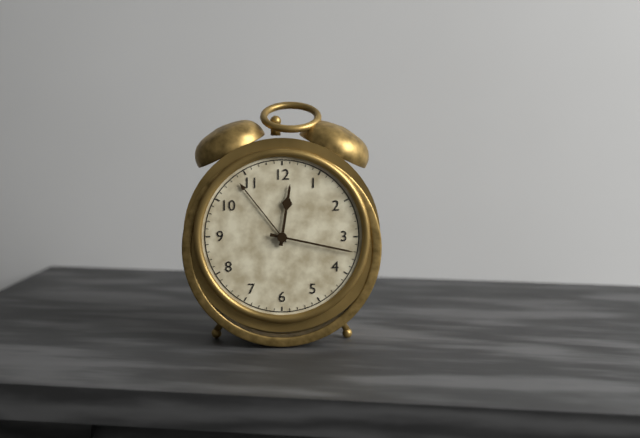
12:17
